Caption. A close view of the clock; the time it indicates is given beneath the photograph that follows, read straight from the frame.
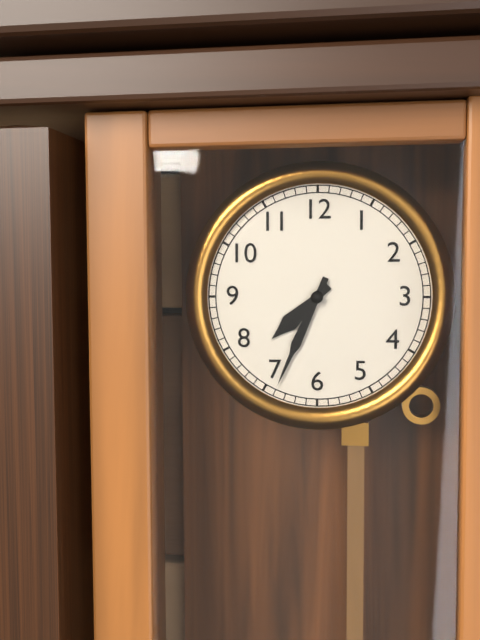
7:34
